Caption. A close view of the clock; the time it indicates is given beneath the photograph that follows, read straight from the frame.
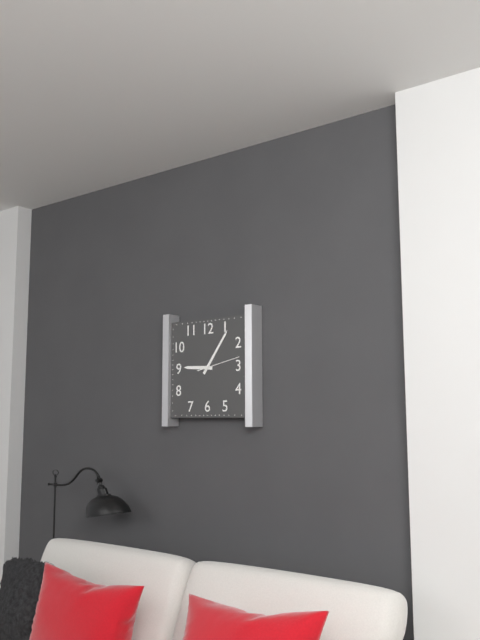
9:06
